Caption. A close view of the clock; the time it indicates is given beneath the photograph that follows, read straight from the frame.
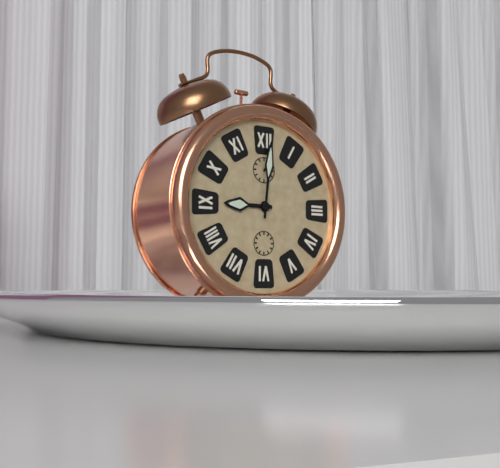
9:01
